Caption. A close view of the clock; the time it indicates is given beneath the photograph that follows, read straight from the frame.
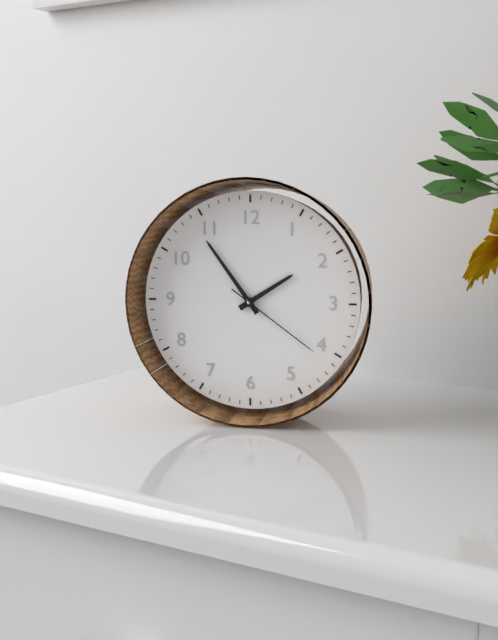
1:54:21
